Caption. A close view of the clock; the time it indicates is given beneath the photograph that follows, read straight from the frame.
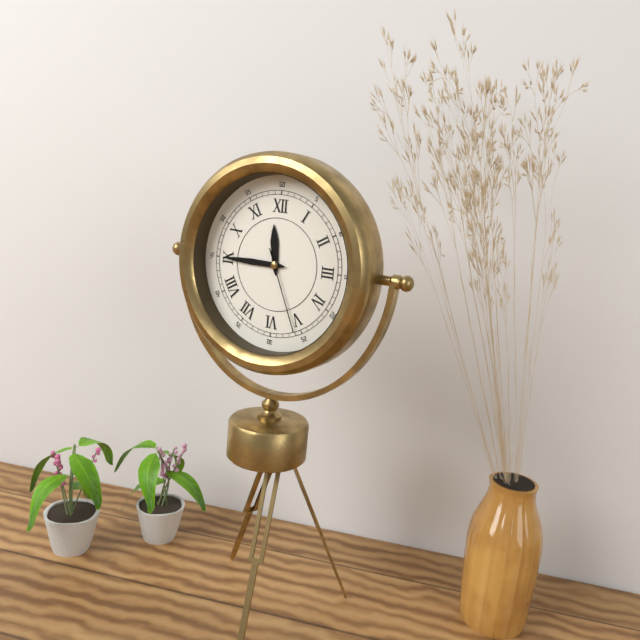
11:45:26
